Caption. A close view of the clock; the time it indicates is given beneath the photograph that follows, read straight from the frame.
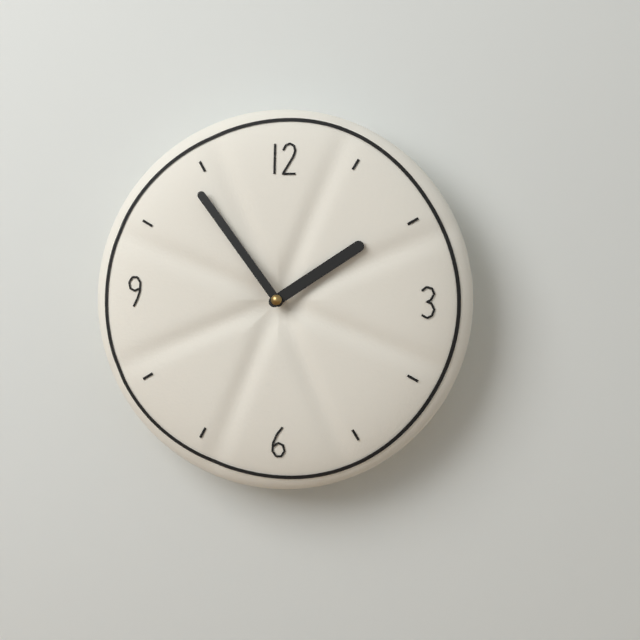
1:54
